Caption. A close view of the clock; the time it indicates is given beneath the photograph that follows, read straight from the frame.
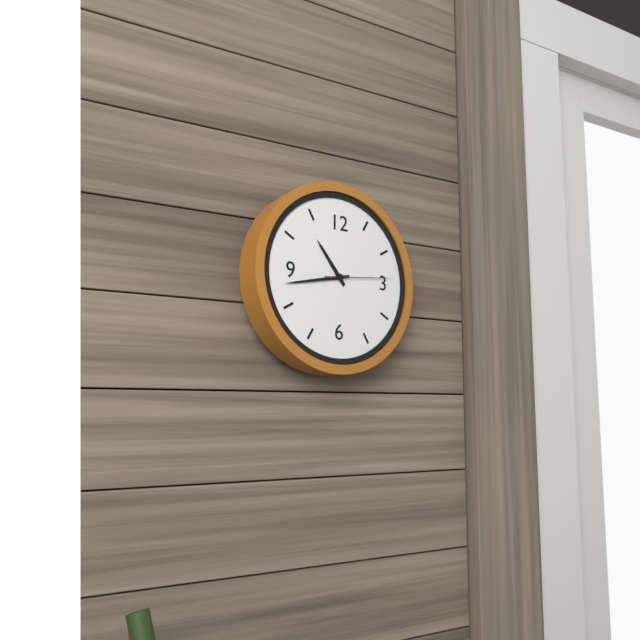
10:43:14
